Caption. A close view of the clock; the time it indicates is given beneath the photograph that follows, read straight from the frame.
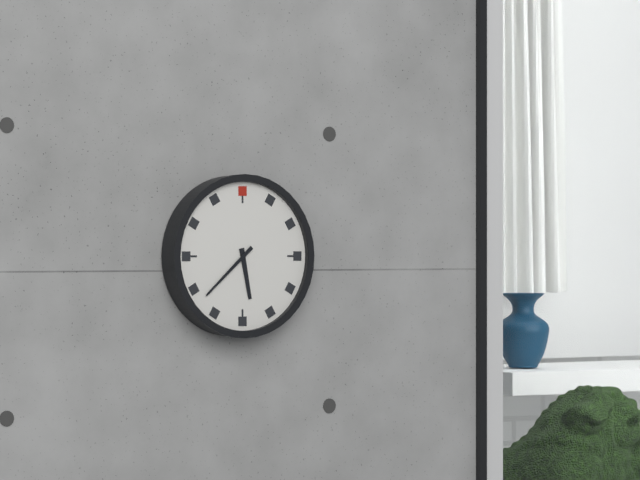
5:38
